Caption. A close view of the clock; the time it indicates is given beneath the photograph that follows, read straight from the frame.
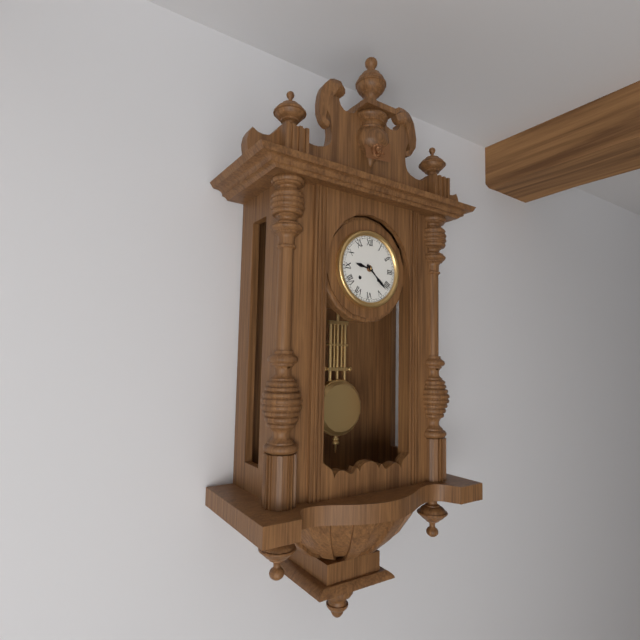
9:22
